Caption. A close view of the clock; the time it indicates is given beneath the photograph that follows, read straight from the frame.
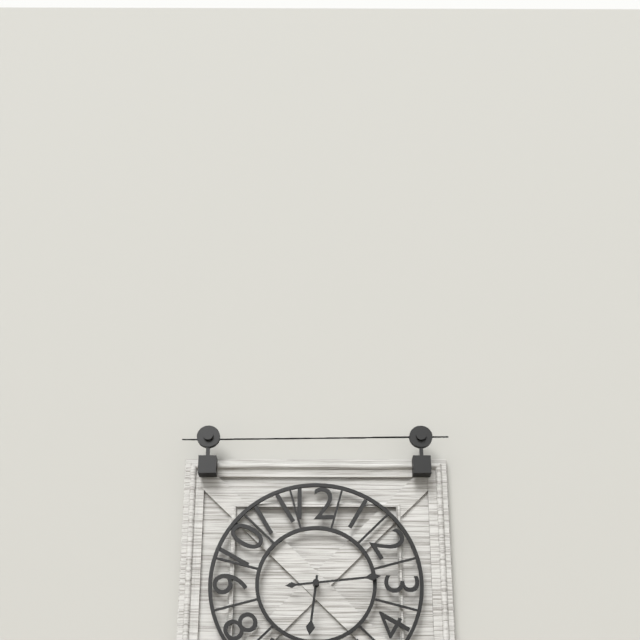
6:14
